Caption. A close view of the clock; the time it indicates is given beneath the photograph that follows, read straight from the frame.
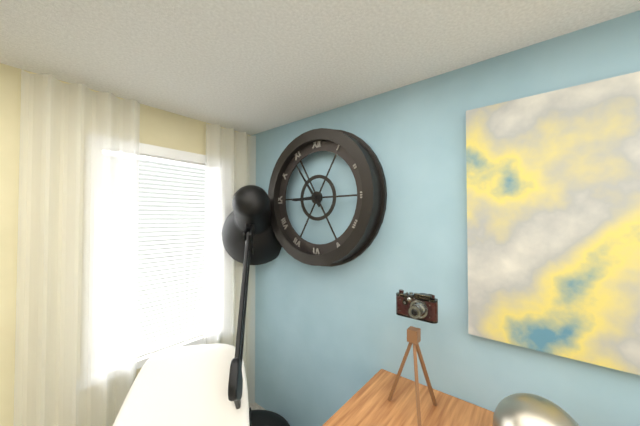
8:54
